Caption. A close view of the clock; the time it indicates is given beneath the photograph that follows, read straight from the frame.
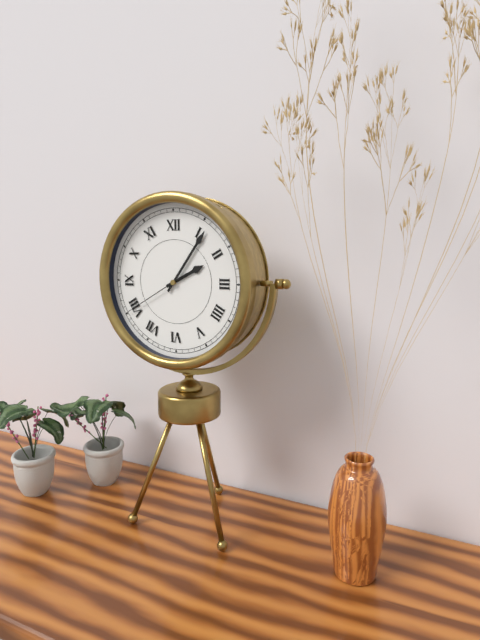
2:06:40
